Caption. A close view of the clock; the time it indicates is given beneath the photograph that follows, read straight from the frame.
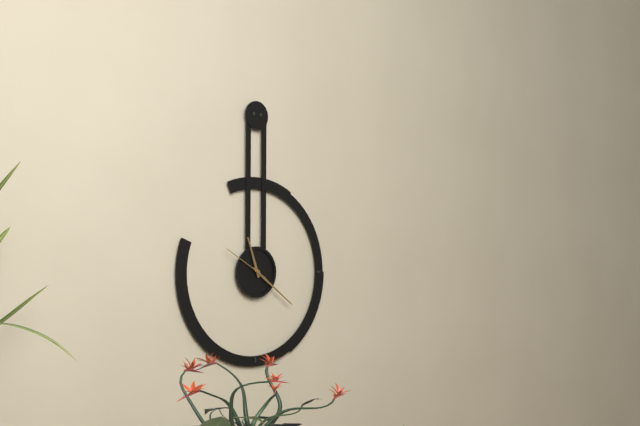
11:21
